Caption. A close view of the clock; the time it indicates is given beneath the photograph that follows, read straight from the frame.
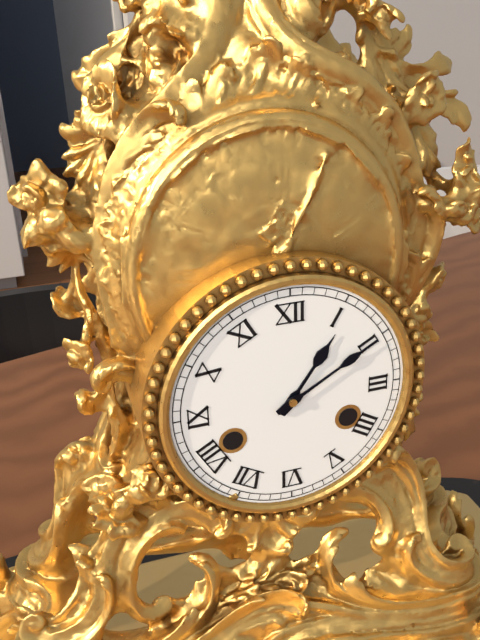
1:10
